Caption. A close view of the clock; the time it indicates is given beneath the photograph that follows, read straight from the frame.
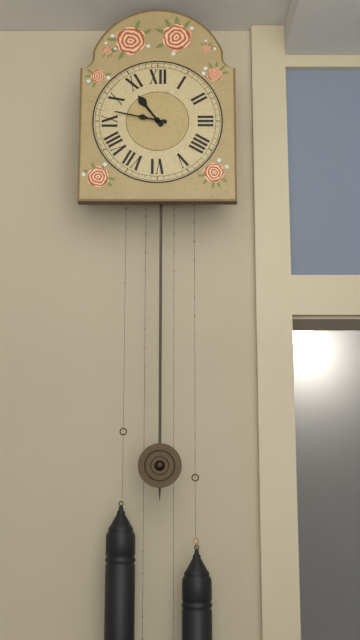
10:47
